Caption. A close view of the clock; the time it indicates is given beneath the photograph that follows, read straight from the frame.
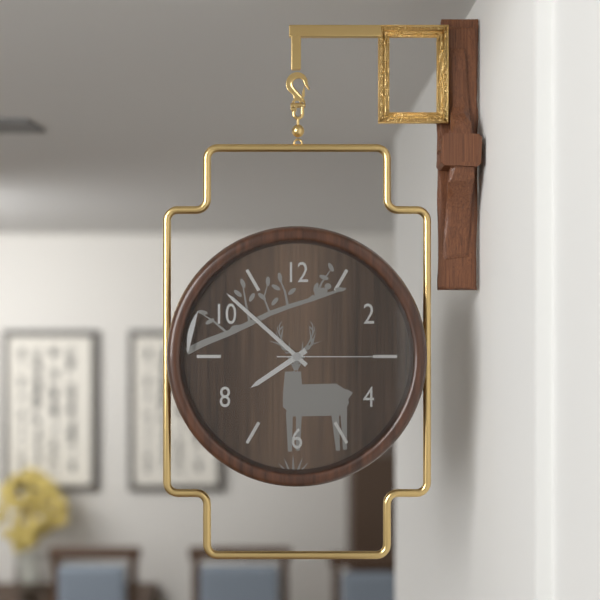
7:52:15
